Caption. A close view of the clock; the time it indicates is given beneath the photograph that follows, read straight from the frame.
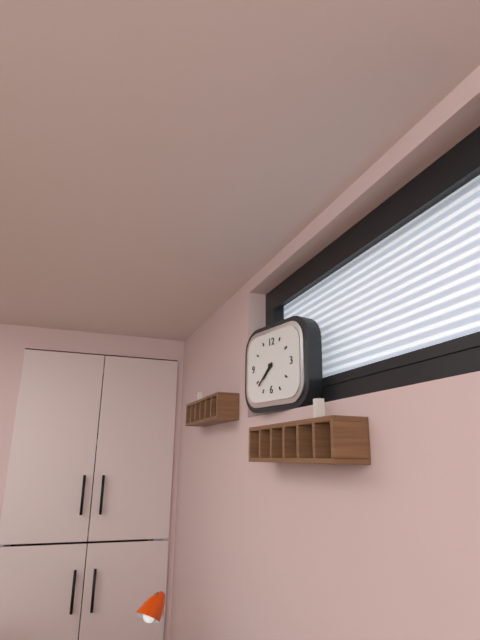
7:38
